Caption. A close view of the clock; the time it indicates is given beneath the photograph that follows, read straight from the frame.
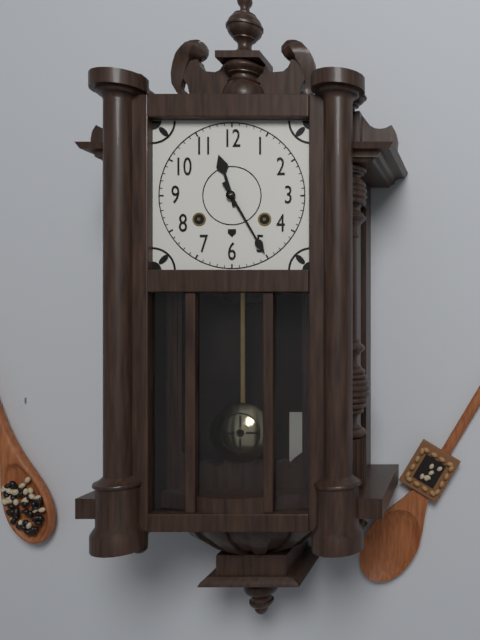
11:25
